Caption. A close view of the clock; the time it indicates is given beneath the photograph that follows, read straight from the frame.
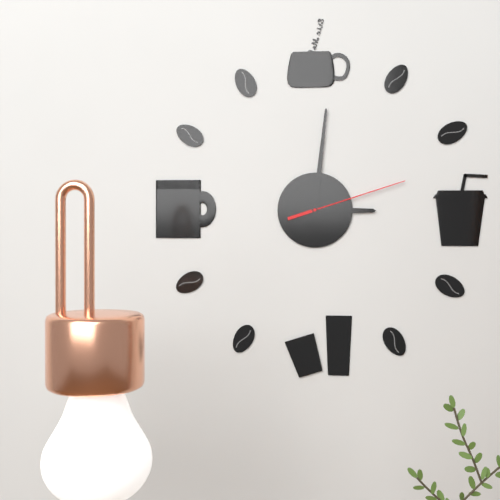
3:01:12
